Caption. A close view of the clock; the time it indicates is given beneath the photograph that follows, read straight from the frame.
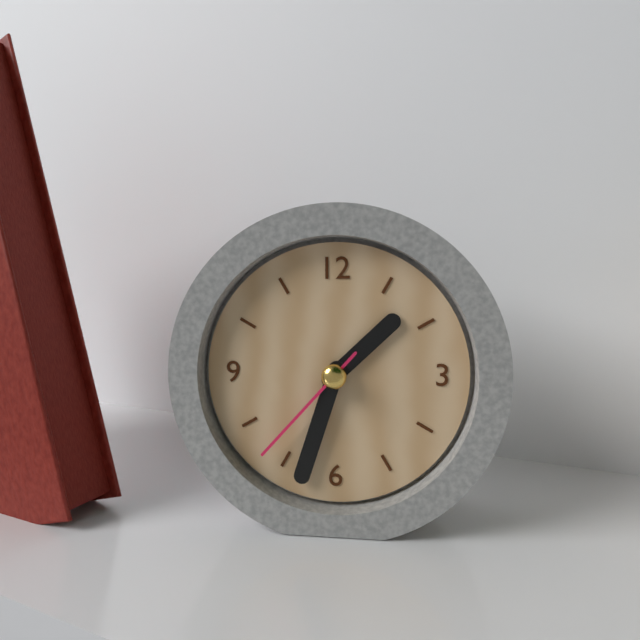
1:33:37
